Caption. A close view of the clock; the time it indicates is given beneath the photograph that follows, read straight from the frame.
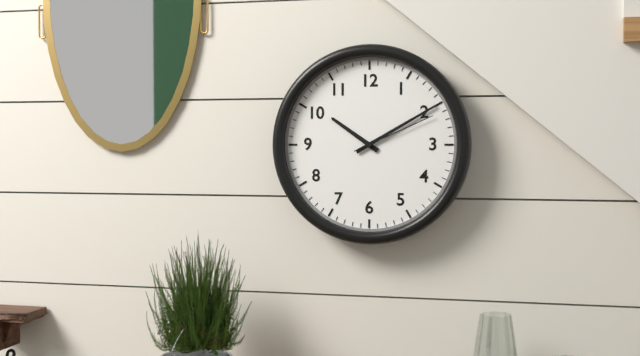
10:10:11
